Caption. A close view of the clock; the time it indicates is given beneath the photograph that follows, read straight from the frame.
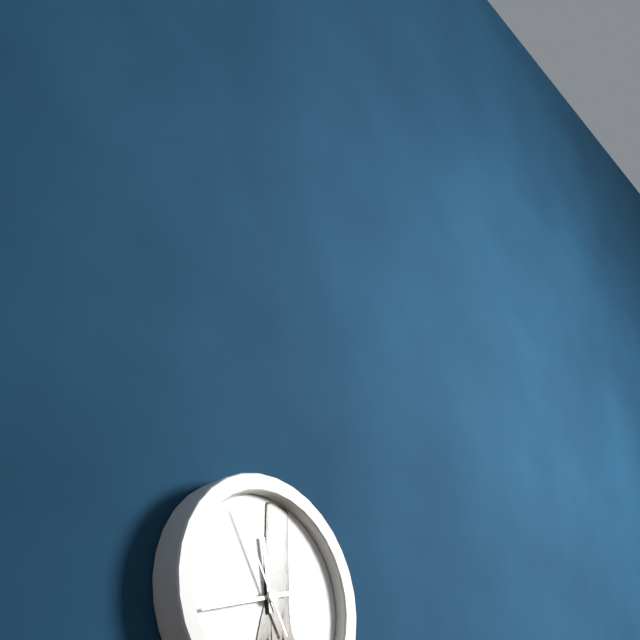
11:42:55
